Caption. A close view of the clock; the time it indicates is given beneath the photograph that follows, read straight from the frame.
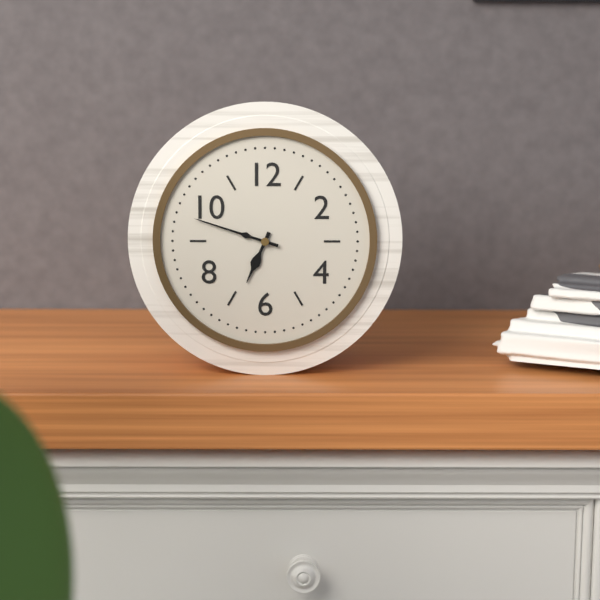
6:48
